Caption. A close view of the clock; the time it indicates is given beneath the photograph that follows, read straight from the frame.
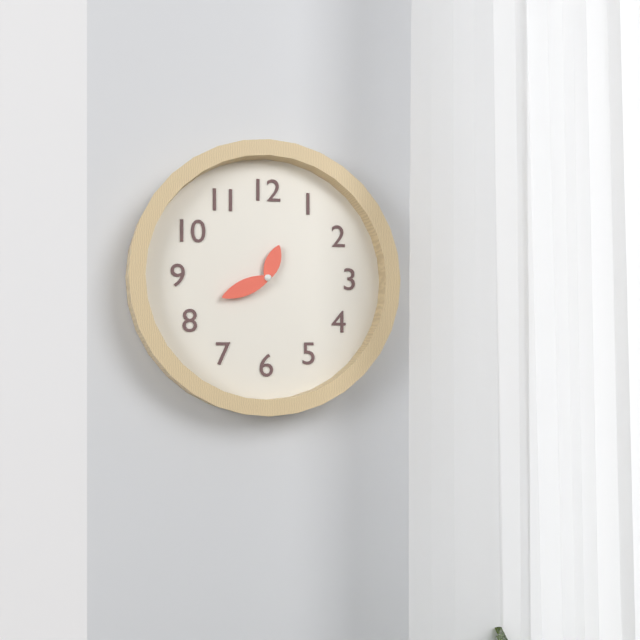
12:41
